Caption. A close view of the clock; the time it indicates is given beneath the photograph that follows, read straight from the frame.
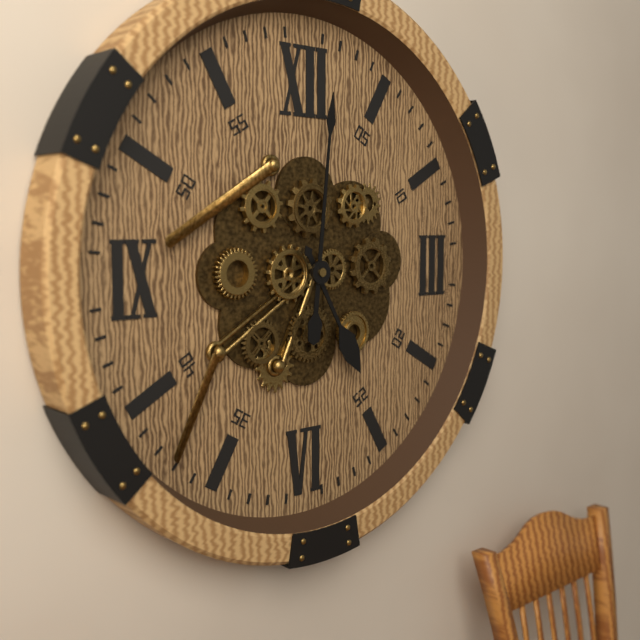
5:01
